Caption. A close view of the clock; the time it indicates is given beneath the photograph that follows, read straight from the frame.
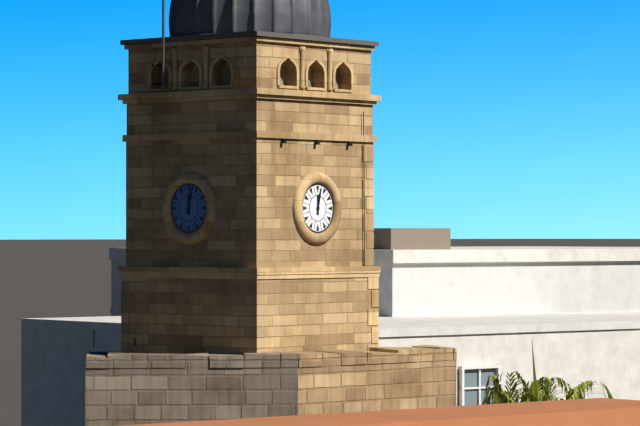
12:02
